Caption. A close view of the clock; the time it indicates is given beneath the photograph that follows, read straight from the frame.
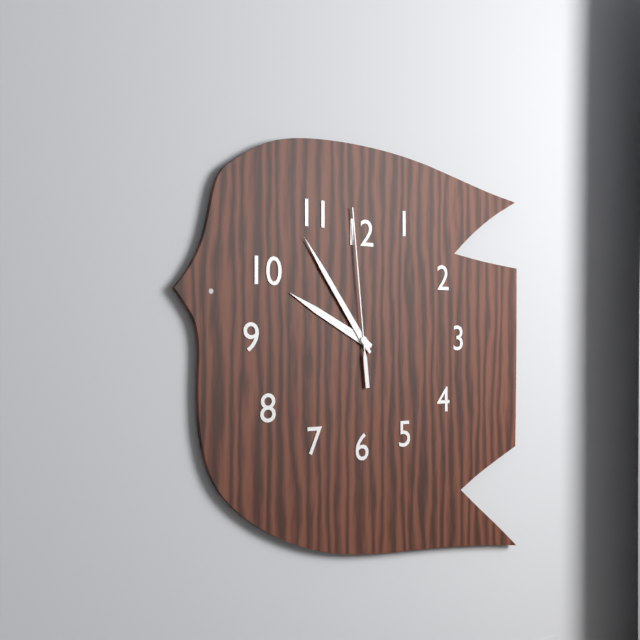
9:54:59
